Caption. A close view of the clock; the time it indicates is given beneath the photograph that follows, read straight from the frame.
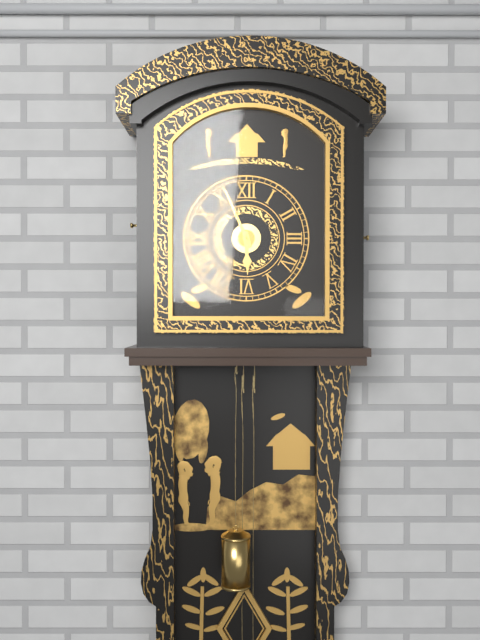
5:56
